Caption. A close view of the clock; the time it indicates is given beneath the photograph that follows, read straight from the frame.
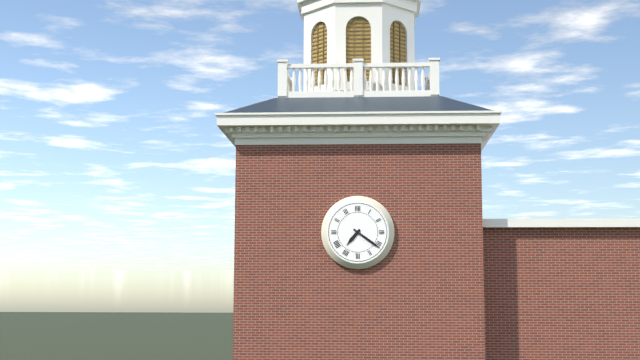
7:21
